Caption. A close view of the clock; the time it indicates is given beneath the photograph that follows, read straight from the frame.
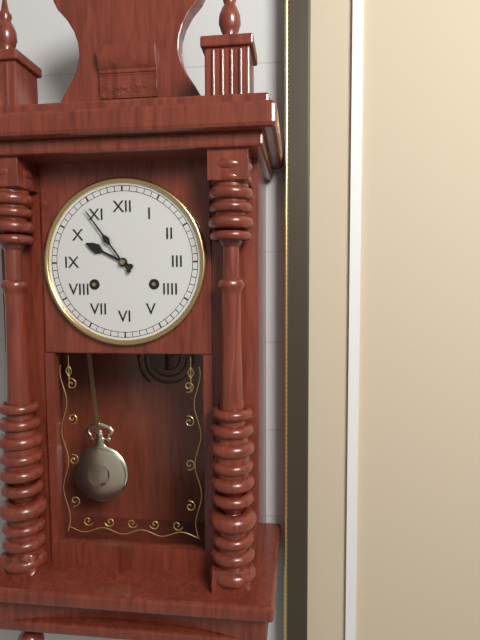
9:54
